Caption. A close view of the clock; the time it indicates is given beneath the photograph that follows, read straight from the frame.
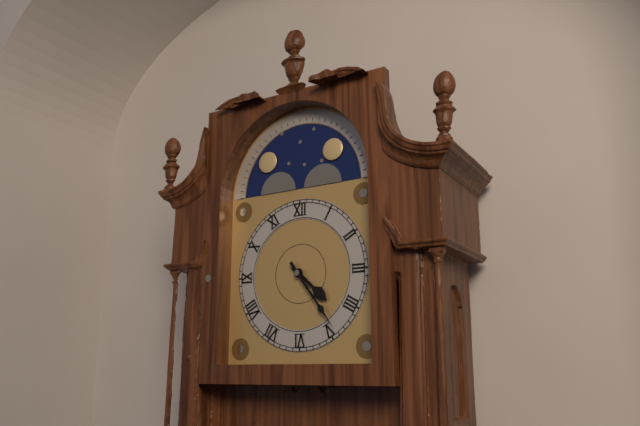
4:24
